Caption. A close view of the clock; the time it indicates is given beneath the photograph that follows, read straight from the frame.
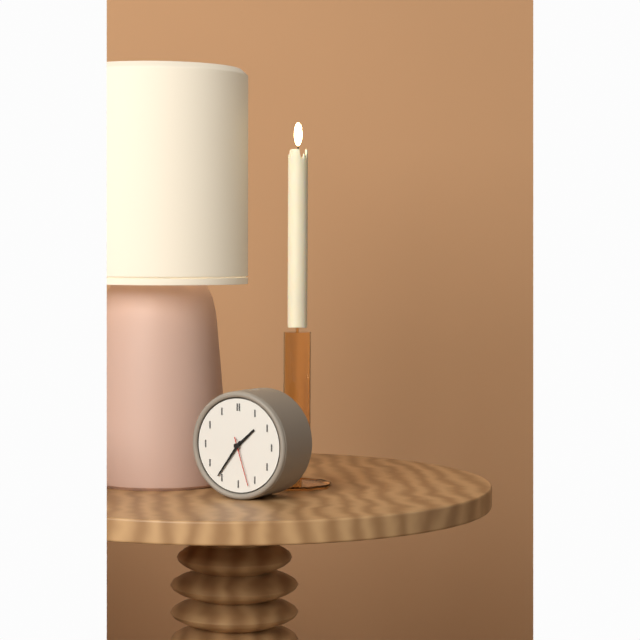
1:36:27
